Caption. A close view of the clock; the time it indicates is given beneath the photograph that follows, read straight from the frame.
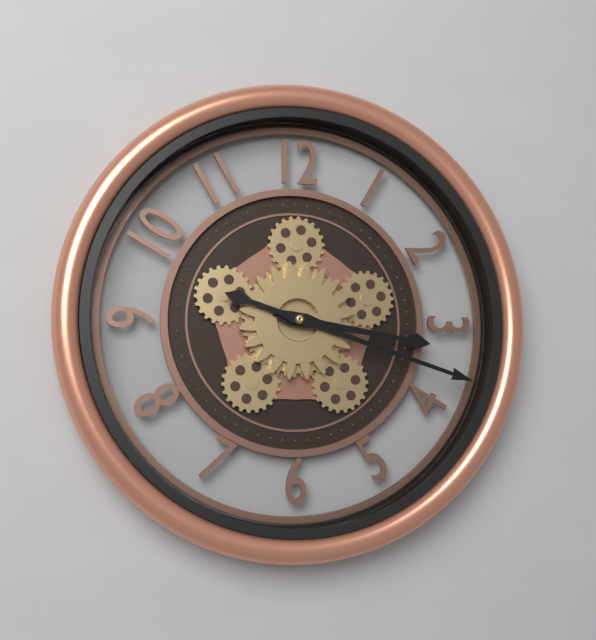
3:18
